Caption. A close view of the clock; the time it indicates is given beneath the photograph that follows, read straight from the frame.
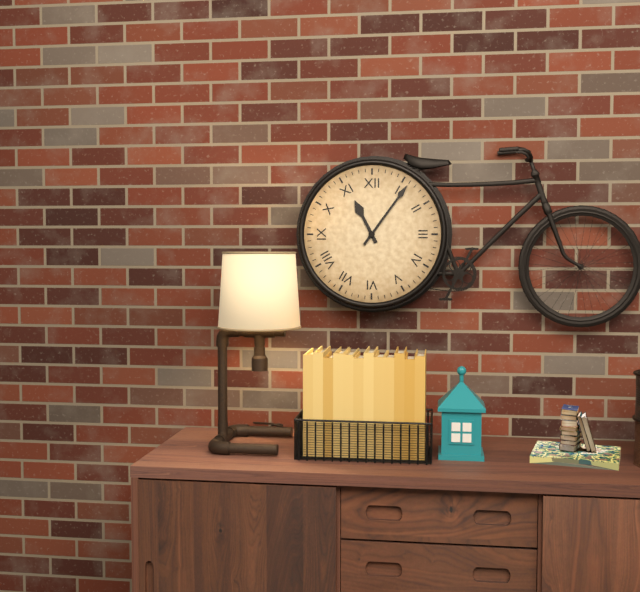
11:06
